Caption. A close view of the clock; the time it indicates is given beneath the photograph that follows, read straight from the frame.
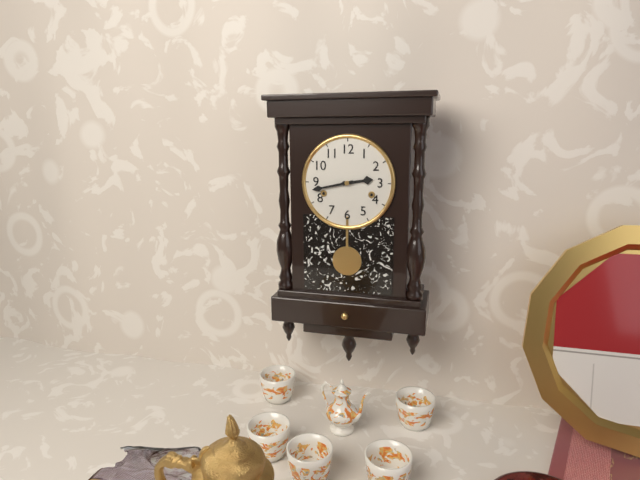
2:43
